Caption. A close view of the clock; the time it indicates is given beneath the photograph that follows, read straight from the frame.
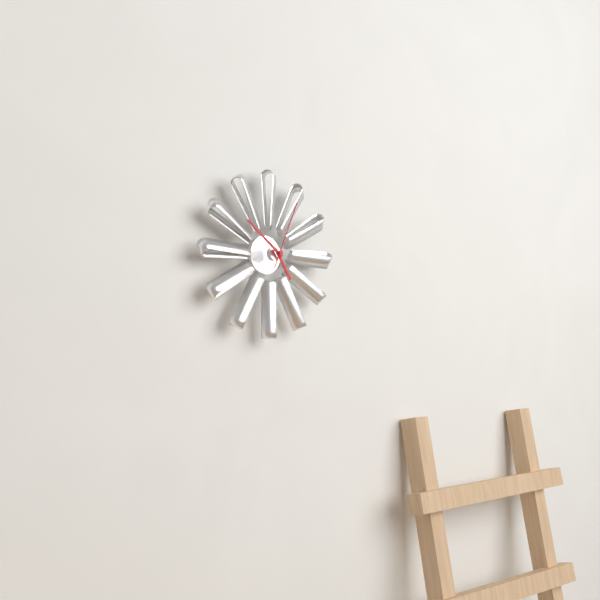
4:51:04
